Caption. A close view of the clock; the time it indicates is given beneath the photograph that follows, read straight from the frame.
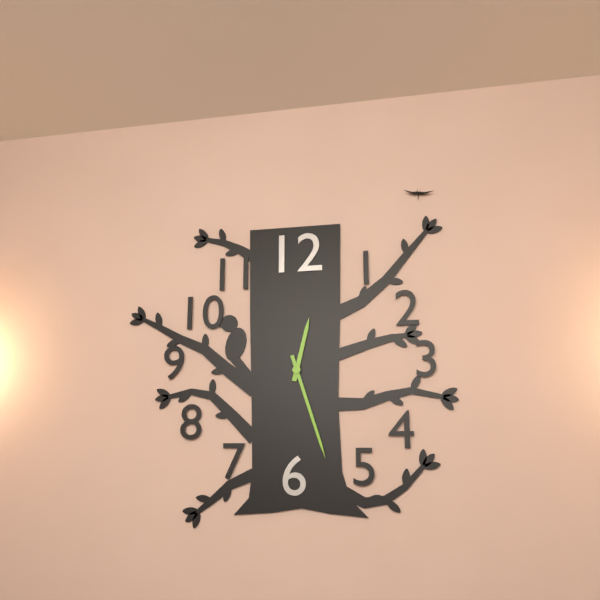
12:27
